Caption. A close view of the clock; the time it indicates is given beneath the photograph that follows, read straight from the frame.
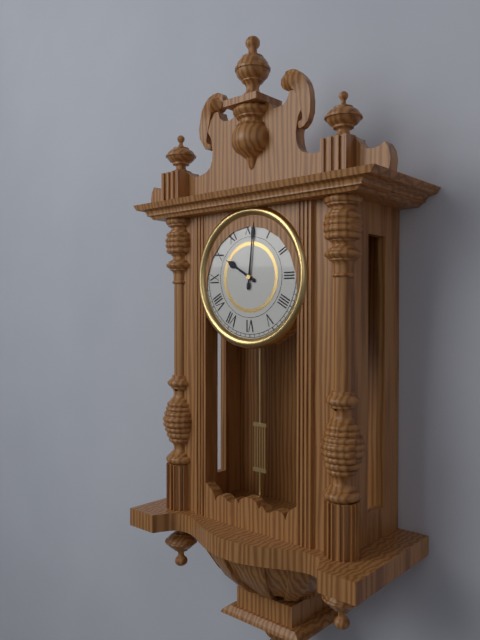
10:01
